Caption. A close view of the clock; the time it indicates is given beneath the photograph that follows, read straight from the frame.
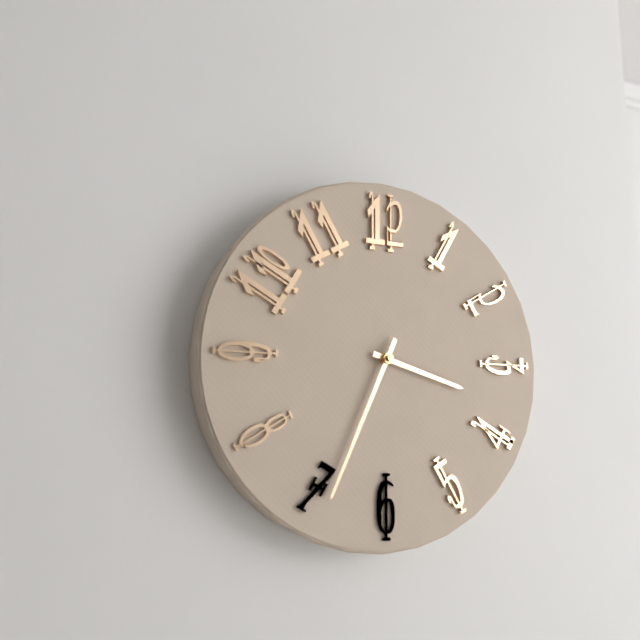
3:34
